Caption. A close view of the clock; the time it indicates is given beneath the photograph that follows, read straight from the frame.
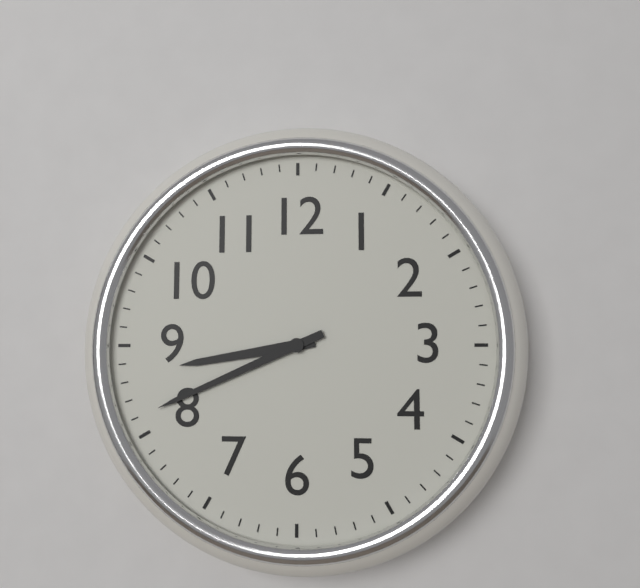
8:41
